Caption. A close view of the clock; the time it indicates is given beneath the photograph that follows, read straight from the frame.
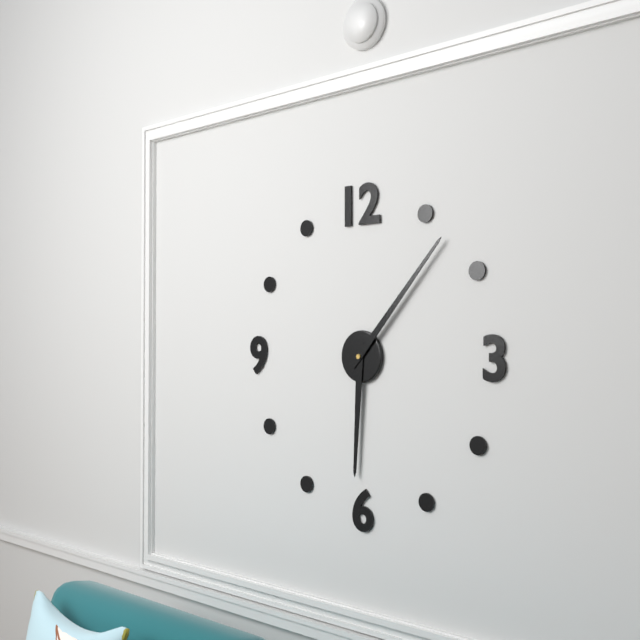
6:07
